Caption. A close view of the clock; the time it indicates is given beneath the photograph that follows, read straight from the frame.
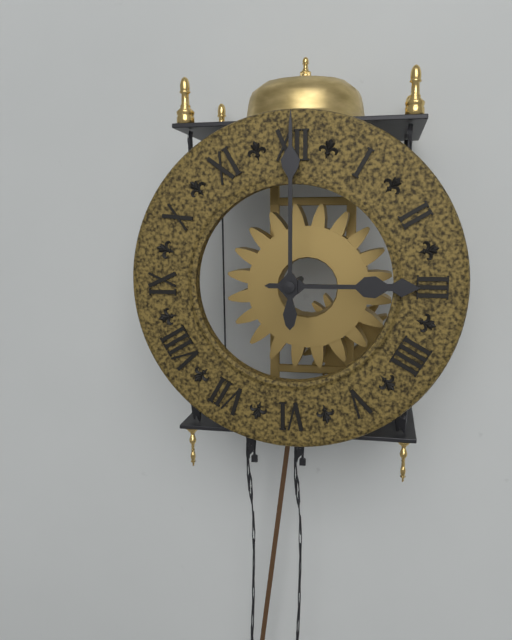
3:00
